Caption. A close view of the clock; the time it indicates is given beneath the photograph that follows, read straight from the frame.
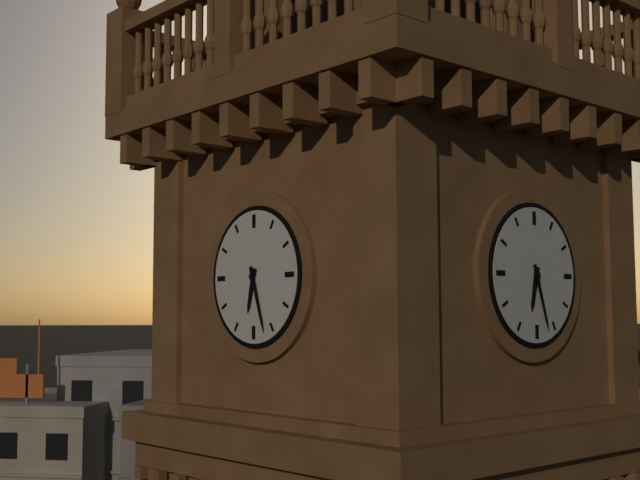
6:27
